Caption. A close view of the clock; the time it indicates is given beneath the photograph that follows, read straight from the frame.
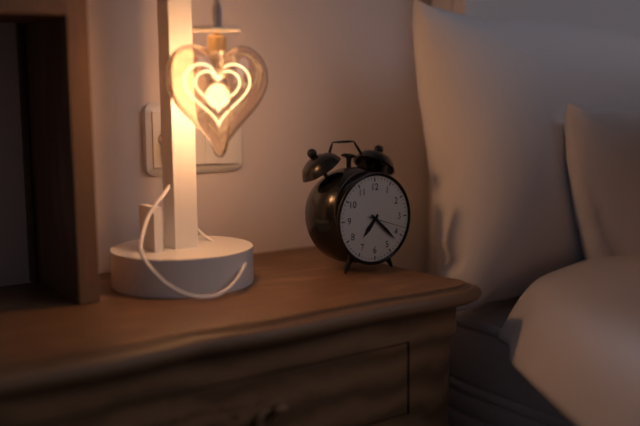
7:22
